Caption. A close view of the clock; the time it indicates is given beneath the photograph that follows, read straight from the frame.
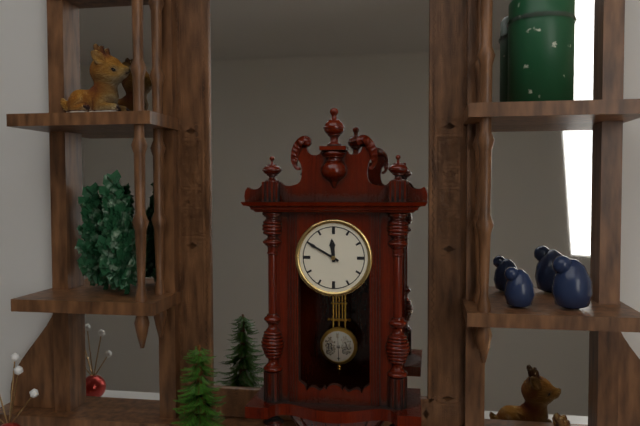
11:50
